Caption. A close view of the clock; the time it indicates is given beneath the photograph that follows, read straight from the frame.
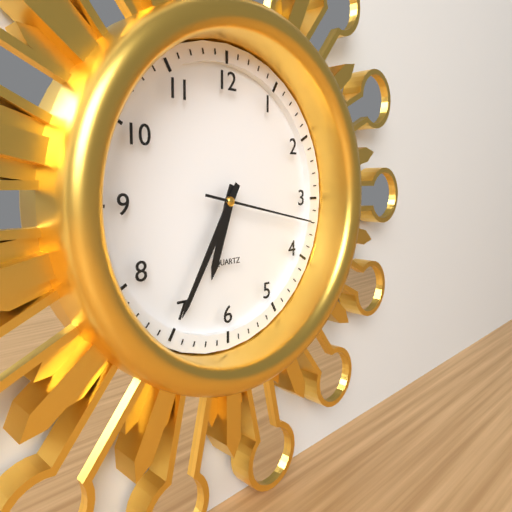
6:35:17
